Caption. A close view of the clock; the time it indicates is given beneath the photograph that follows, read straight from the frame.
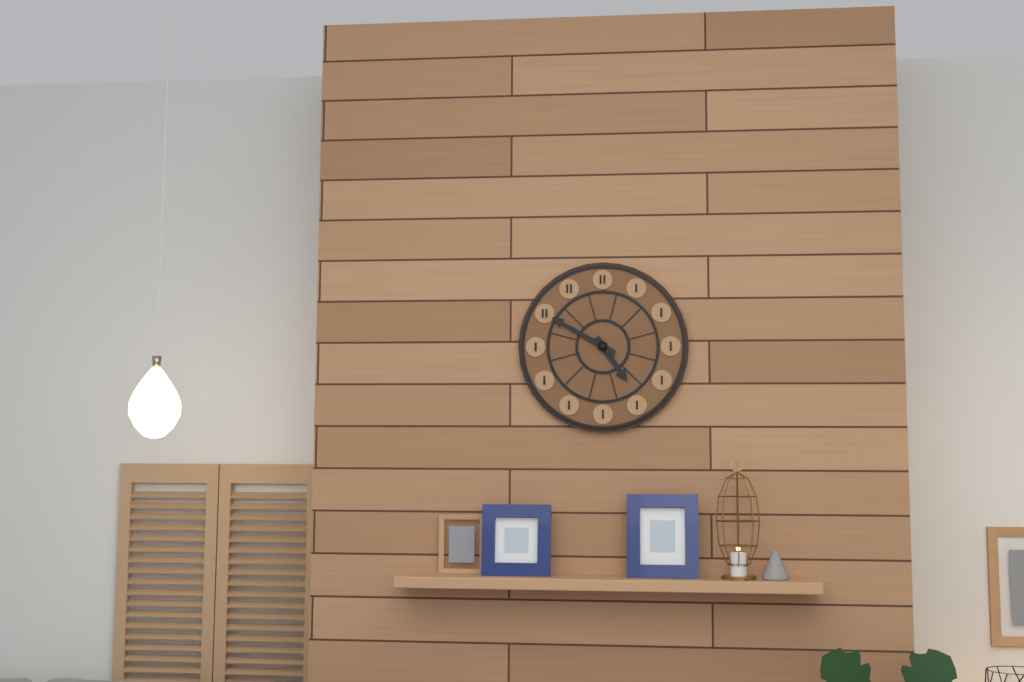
4:50
